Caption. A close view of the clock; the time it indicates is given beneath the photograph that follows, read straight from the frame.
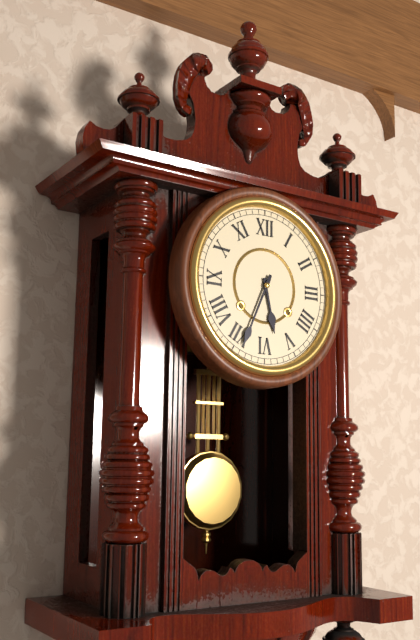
5:34
